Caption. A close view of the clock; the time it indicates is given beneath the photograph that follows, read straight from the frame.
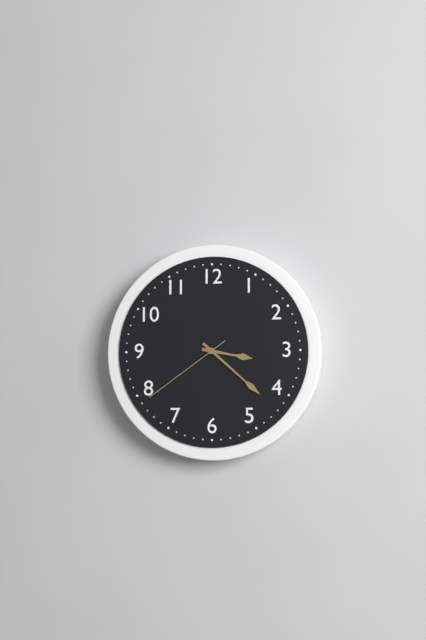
3:22:39
